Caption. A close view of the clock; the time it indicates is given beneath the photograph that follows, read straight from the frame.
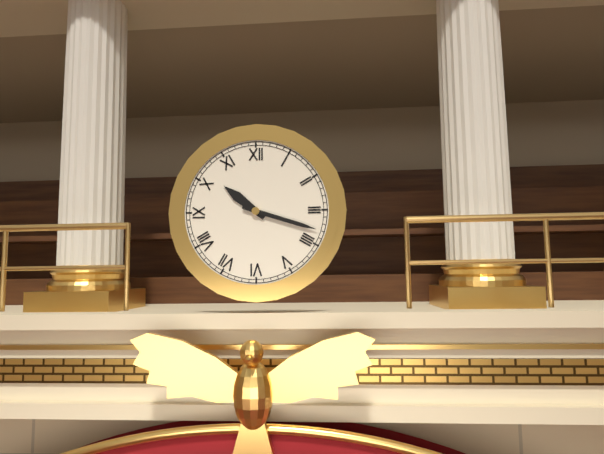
10:18
